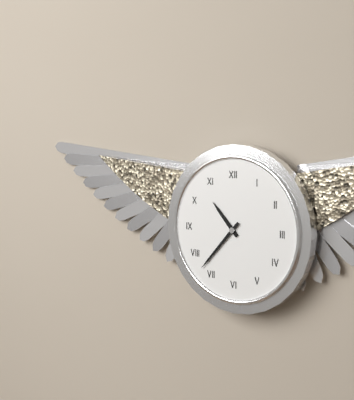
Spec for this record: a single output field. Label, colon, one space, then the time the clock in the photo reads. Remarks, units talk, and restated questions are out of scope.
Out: 10:37
